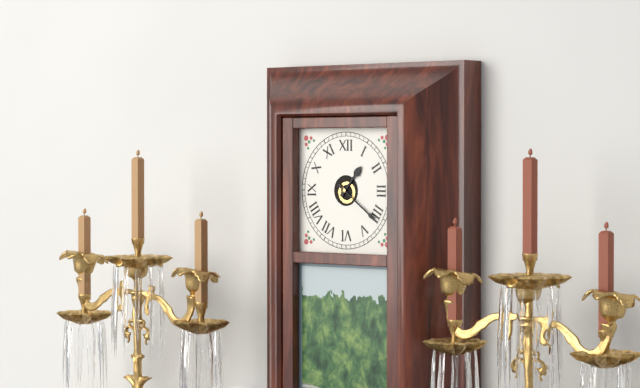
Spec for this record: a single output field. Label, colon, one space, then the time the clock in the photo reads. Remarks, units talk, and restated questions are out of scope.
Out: 1:21
